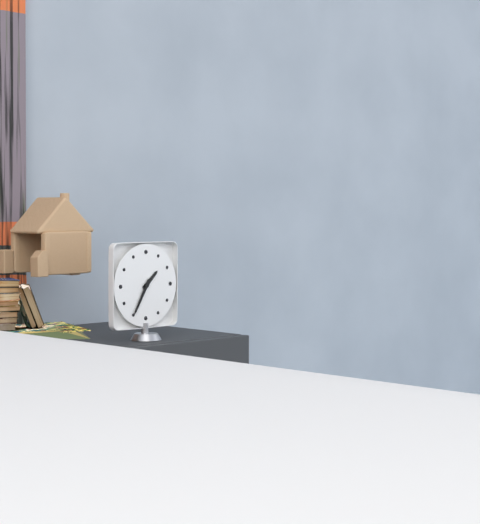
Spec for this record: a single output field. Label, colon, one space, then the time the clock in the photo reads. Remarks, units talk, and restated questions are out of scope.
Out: 1:35
